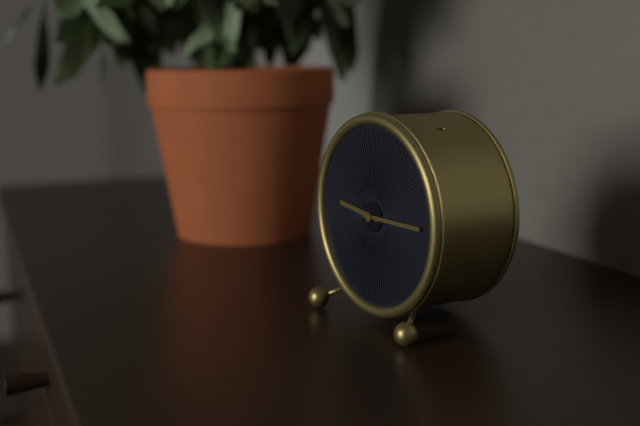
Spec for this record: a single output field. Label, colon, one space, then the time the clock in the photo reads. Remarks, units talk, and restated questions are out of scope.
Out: 9:15
